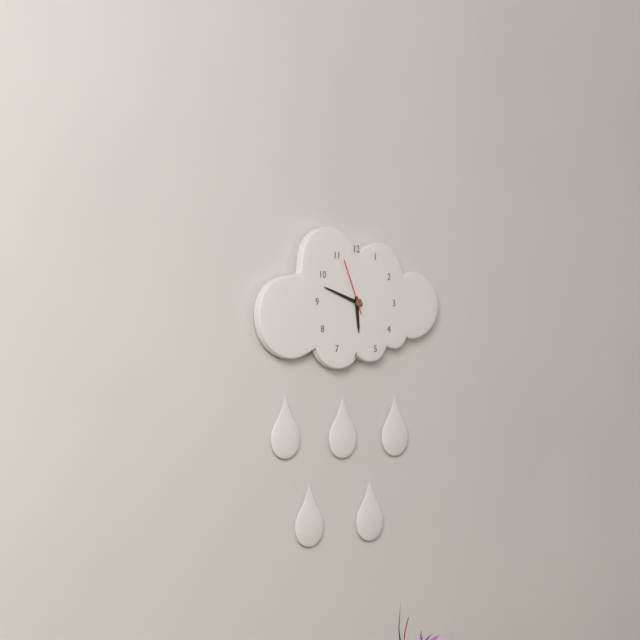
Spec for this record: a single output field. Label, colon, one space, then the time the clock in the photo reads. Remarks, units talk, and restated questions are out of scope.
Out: 5:48:56
